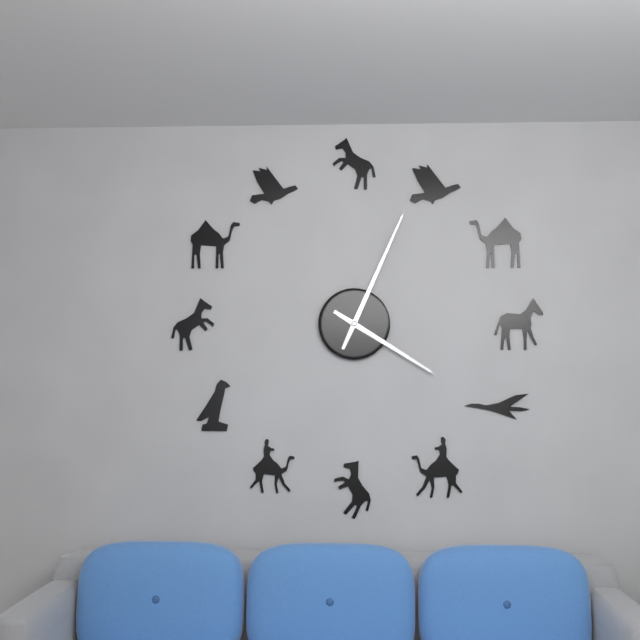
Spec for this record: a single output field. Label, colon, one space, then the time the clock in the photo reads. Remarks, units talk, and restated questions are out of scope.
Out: 4:04
